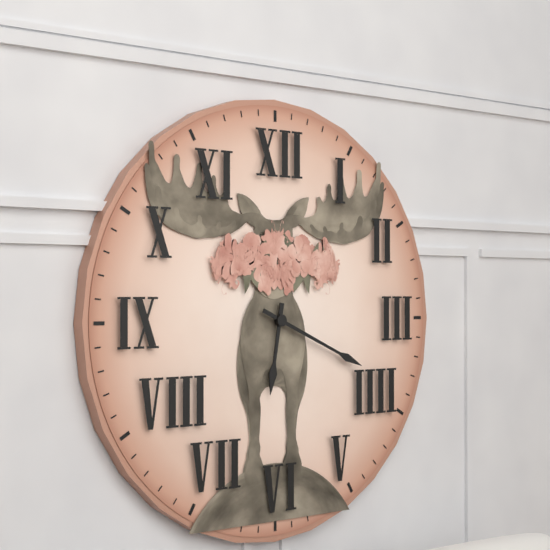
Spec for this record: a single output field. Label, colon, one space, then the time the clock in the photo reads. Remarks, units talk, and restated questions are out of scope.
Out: 6:19
